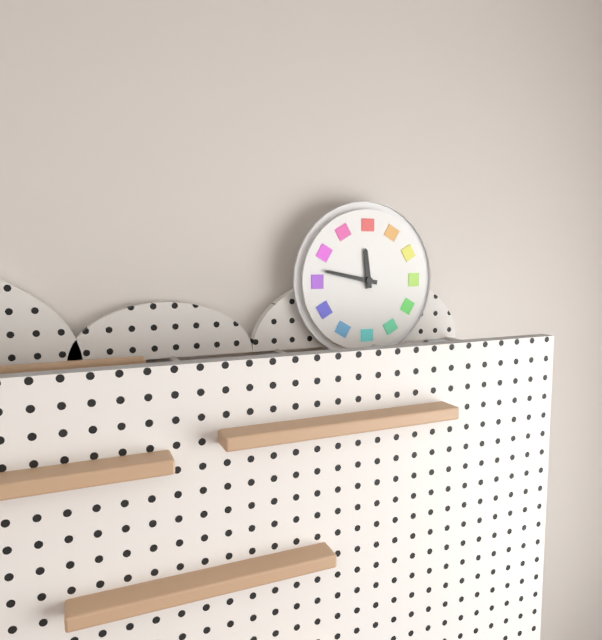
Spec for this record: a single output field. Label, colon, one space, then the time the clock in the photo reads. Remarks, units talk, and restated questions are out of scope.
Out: 11:47
